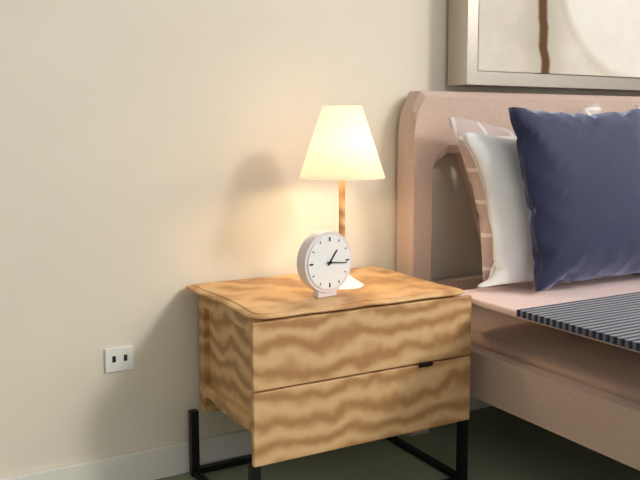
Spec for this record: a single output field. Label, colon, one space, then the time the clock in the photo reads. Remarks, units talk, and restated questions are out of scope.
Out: 1:16
